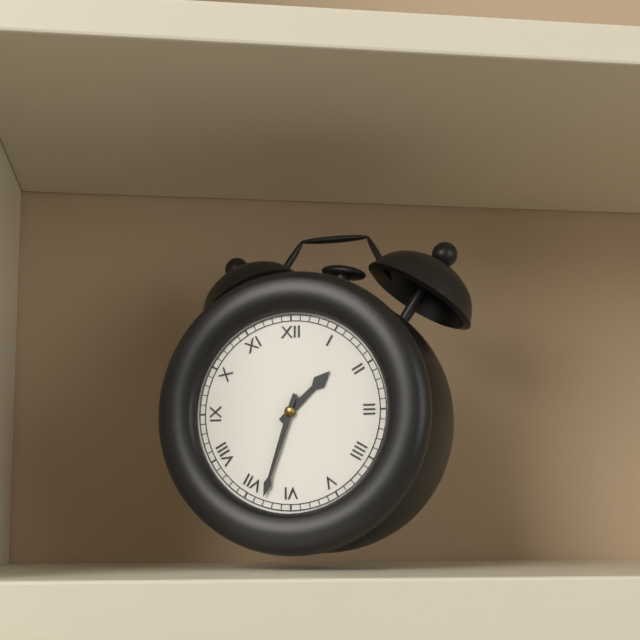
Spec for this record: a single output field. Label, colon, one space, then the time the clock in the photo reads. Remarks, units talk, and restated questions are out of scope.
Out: 1:33
